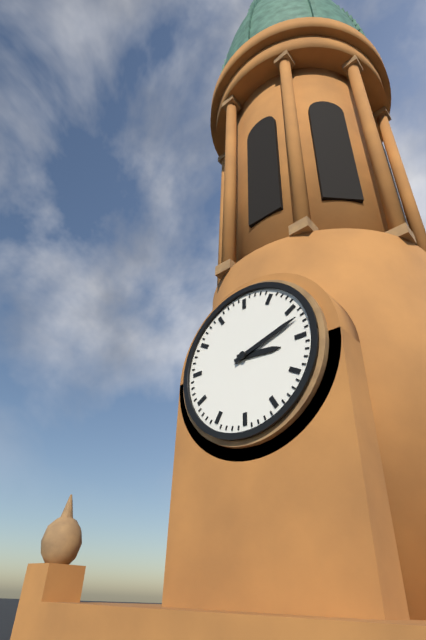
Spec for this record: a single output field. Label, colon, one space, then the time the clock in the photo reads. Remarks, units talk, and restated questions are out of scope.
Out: 3:12
